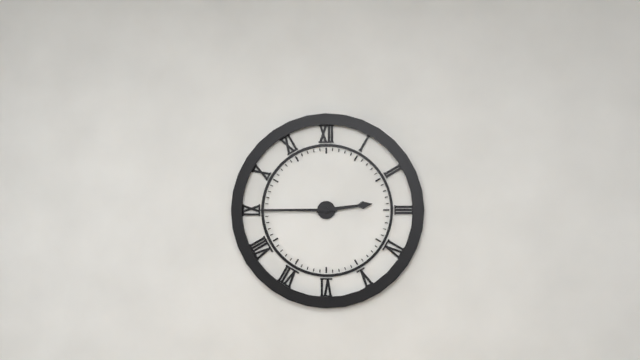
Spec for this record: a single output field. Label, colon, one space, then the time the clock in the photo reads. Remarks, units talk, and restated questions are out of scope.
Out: 2:45
